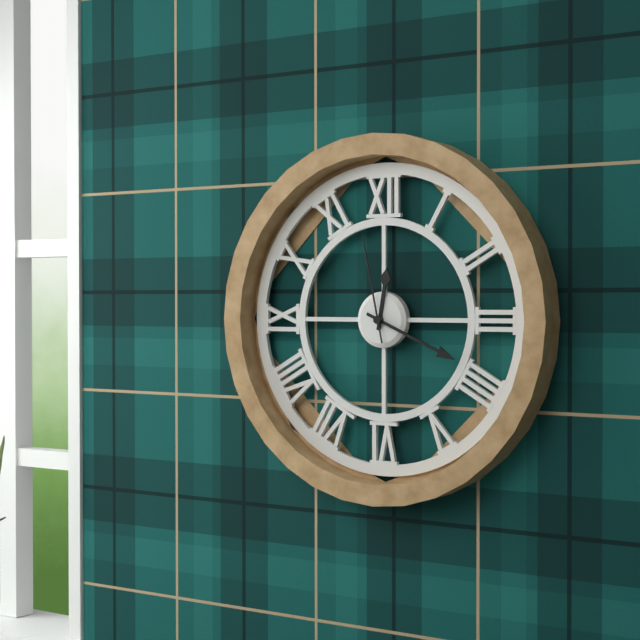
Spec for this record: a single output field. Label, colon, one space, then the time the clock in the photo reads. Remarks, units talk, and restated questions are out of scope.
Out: 12:19:58
